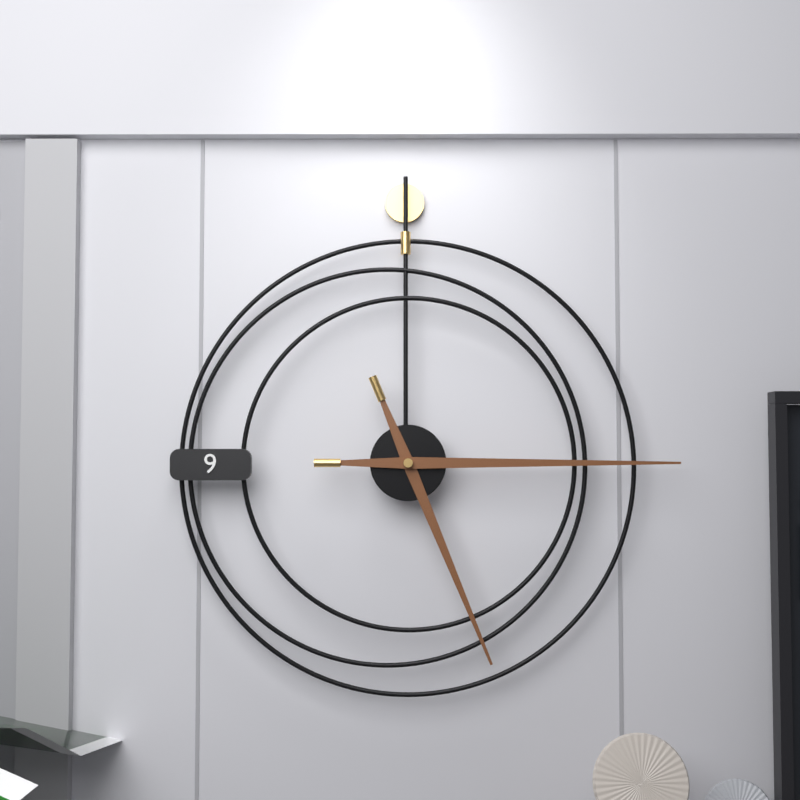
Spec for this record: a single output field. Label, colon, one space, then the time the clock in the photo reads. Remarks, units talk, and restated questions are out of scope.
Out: 5:15
